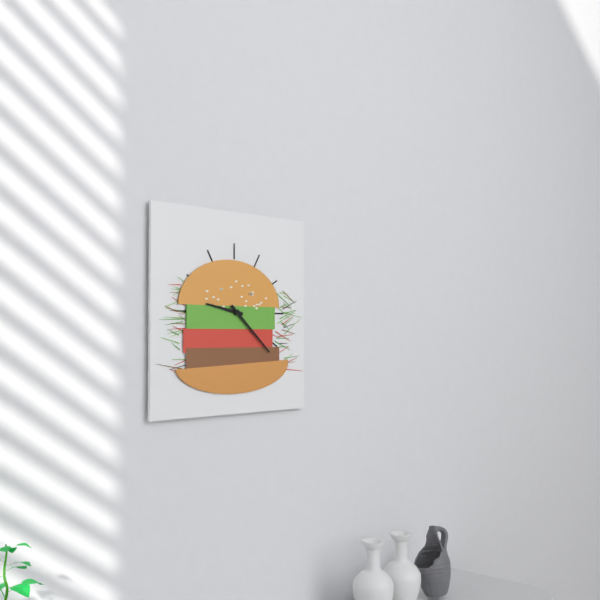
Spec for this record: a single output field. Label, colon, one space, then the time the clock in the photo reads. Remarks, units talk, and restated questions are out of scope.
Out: 9:22
